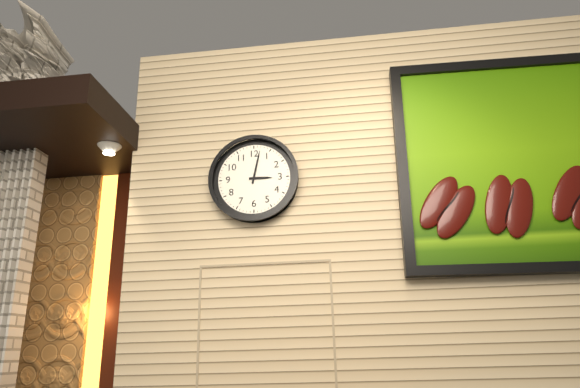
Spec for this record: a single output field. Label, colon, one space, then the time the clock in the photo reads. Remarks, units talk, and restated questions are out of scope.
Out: 3:02
